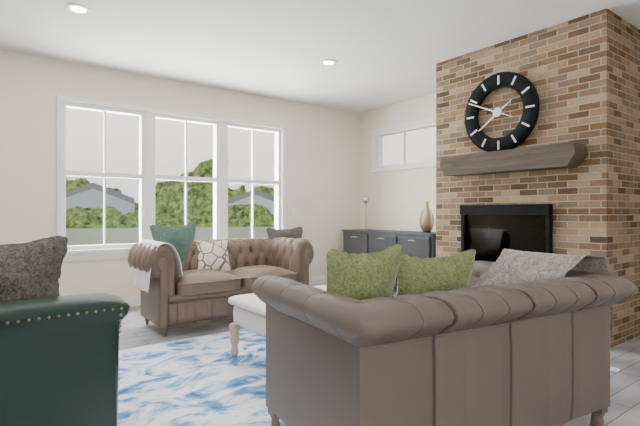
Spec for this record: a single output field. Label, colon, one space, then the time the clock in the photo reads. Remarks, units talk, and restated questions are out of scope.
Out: 7:49
